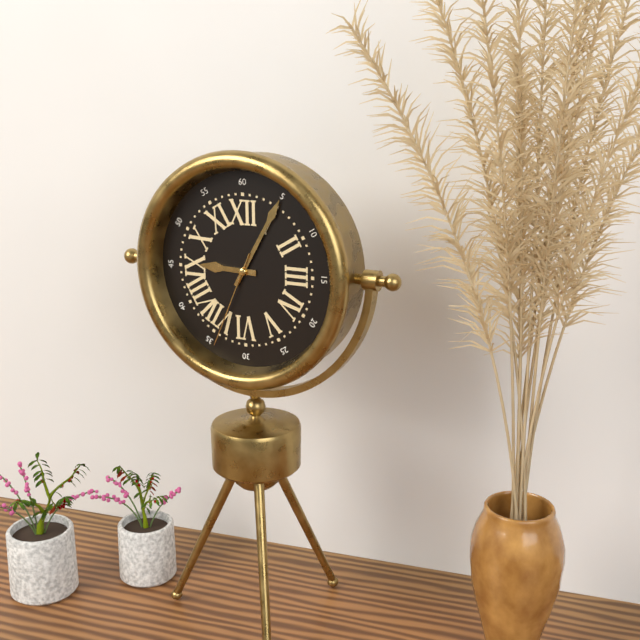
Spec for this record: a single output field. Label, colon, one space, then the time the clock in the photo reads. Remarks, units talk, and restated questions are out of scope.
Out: 9:05:34
